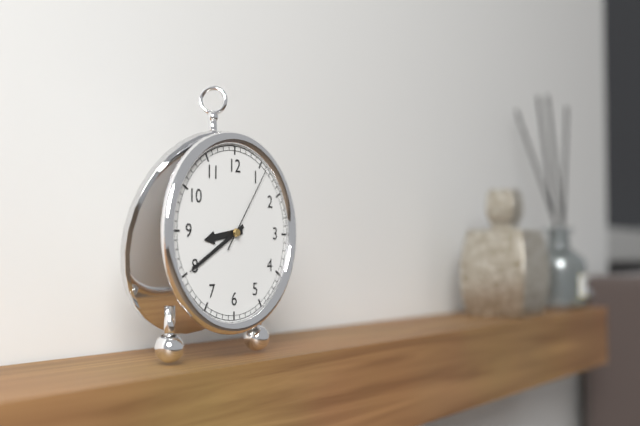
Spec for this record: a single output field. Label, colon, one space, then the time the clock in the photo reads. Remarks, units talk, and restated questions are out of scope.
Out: 8:40:06
